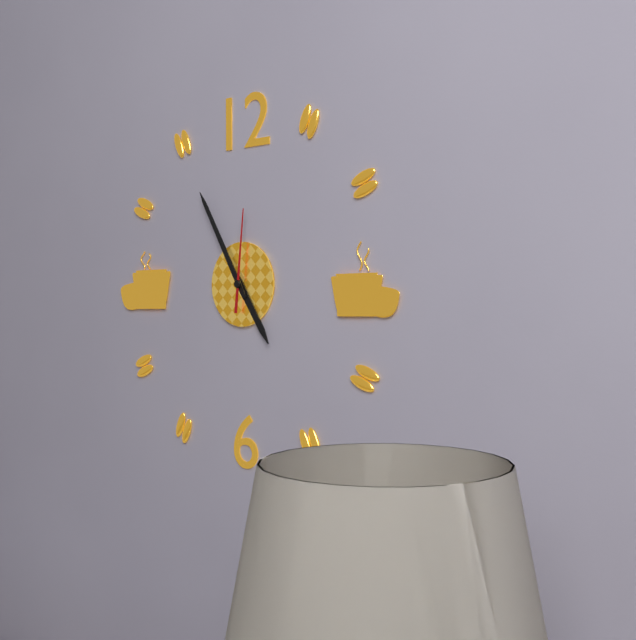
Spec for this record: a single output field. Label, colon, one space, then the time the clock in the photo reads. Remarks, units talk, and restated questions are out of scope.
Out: 4:55:01
